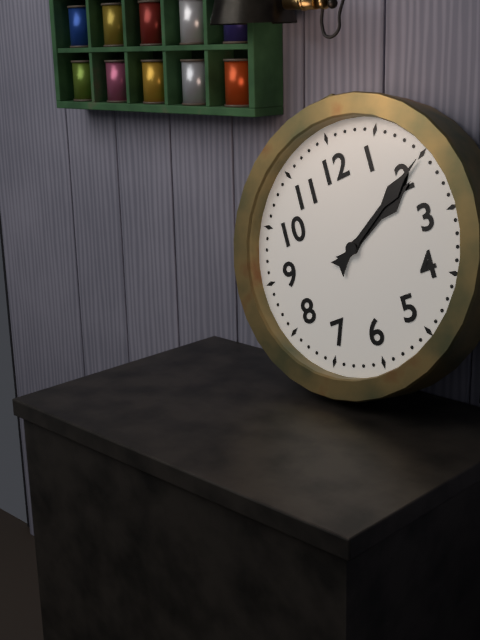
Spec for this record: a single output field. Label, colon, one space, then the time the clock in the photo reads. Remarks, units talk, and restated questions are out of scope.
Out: 2:10
